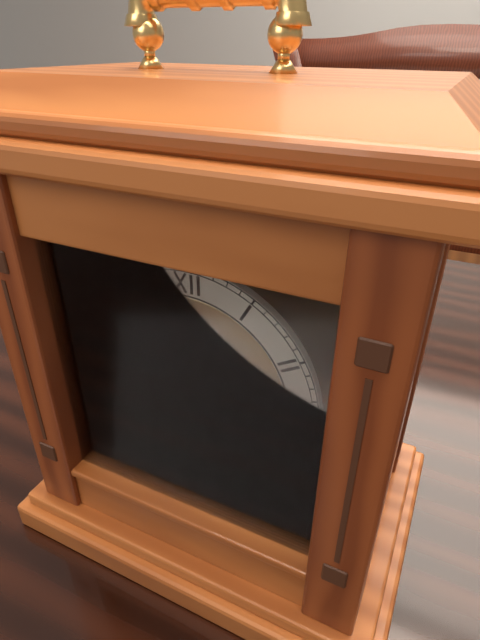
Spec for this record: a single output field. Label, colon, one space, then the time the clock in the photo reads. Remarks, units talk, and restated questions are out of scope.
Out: 7:53
